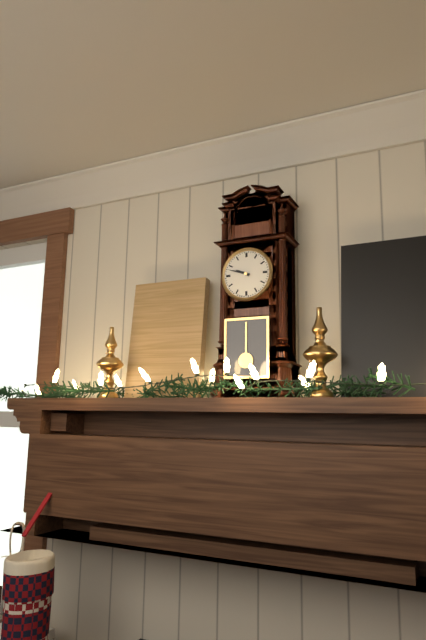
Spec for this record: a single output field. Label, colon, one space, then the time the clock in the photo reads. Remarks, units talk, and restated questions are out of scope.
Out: 9:48
